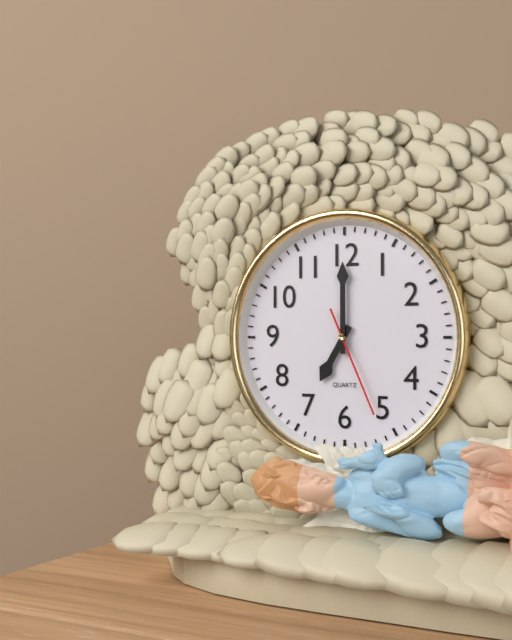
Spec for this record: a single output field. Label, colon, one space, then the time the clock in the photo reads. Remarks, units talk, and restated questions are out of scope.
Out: 7:00:26
